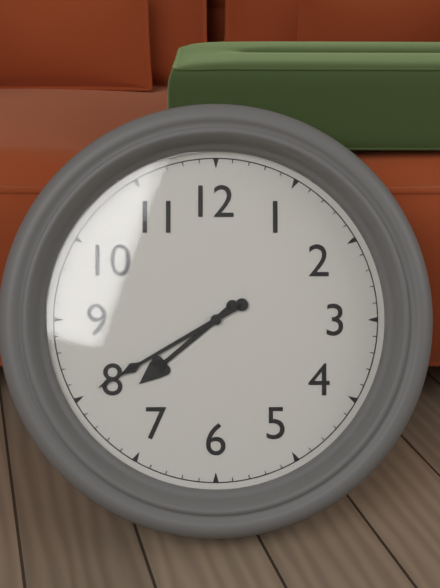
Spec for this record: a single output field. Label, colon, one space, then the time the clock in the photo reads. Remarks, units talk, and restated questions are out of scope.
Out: 7:40
